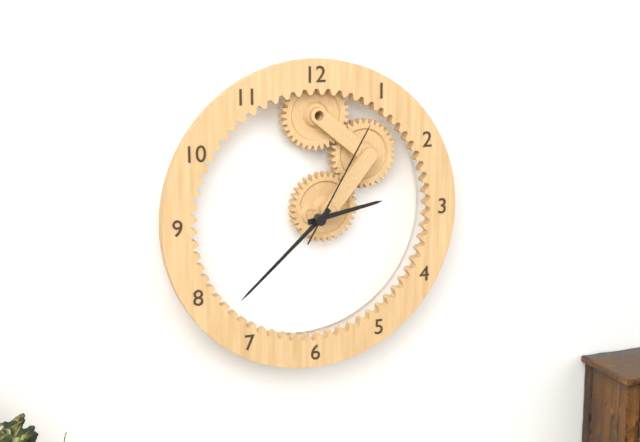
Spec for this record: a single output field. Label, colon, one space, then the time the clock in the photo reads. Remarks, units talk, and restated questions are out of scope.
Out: 2:38:05
